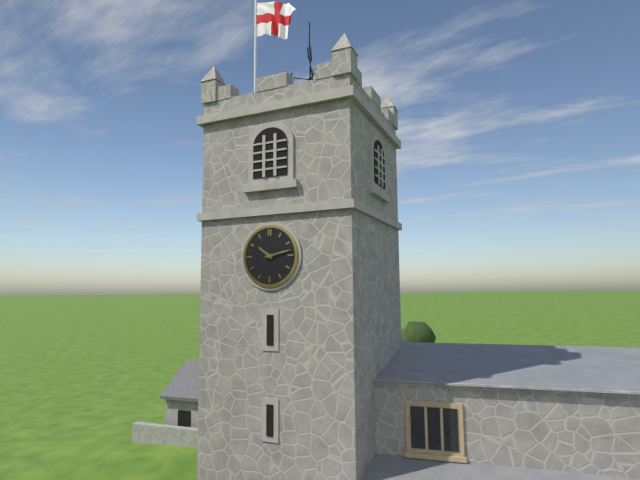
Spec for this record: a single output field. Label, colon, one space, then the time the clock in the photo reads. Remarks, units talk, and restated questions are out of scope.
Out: 10:13
